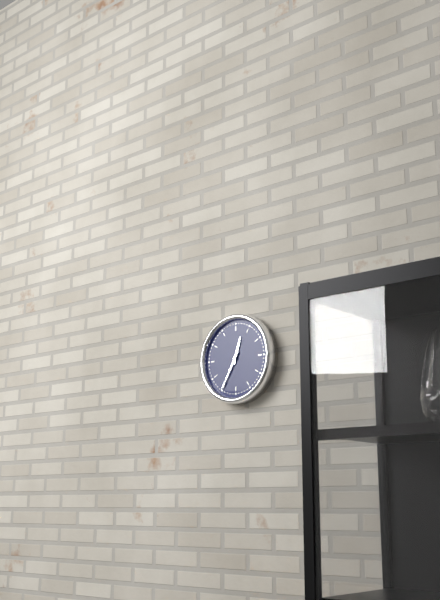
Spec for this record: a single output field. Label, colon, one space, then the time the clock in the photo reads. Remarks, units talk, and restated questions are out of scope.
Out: 12:35
